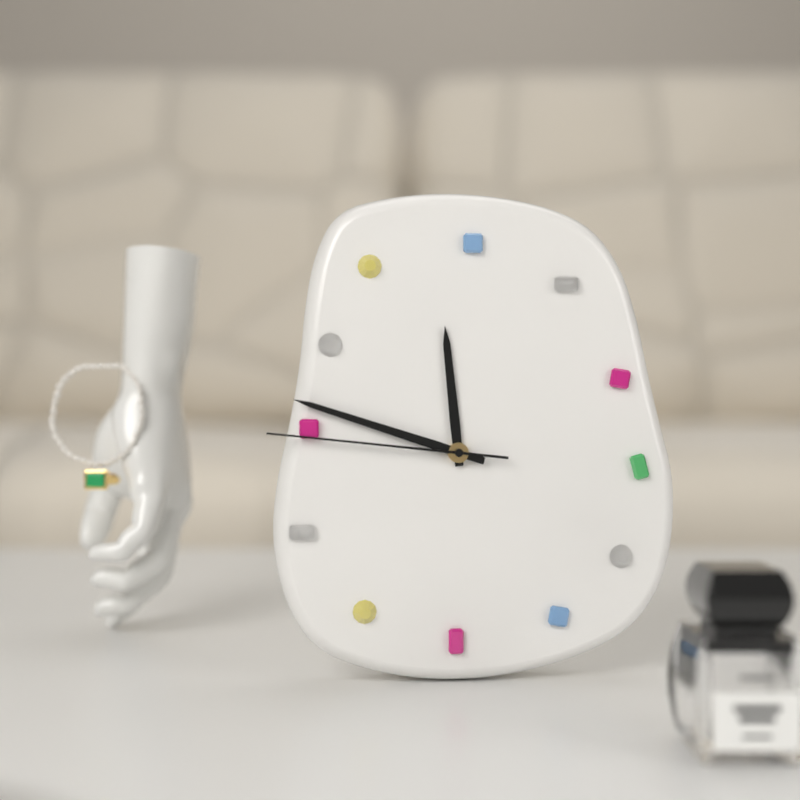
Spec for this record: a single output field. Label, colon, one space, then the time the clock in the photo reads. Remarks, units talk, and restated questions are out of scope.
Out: 11:48:46
